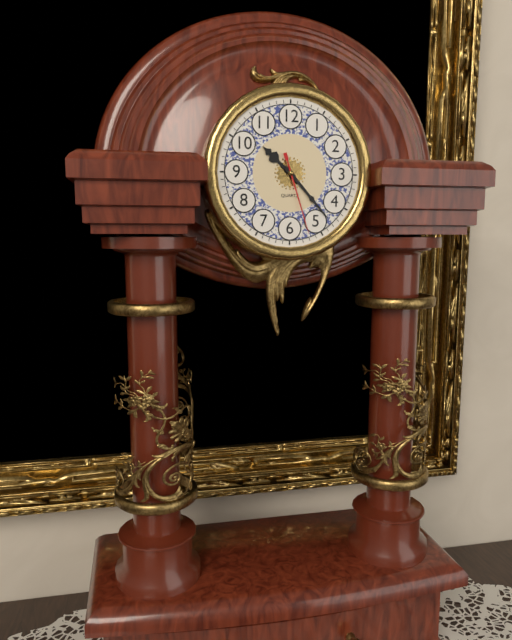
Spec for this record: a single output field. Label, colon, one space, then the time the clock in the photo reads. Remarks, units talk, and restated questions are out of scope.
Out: 10:23:27
